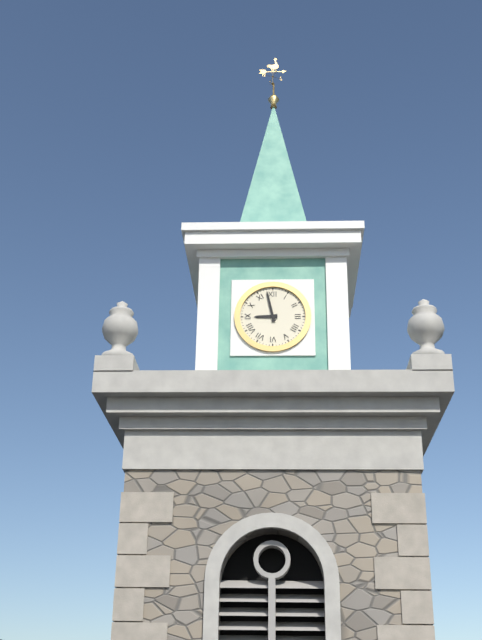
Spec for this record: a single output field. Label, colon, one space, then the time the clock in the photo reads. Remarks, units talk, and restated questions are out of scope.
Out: 8:58
